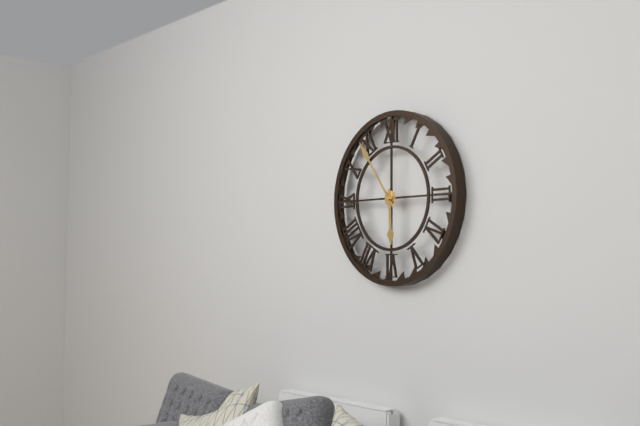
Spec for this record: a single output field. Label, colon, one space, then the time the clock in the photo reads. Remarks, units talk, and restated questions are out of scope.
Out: 5:54
